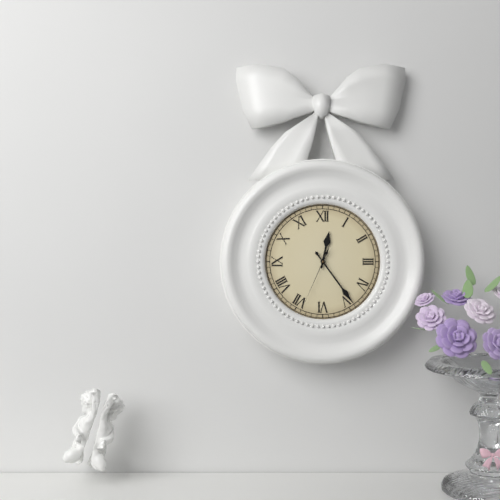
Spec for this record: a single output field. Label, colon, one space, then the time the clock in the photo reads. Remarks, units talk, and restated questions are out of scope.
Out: 12:24:34
